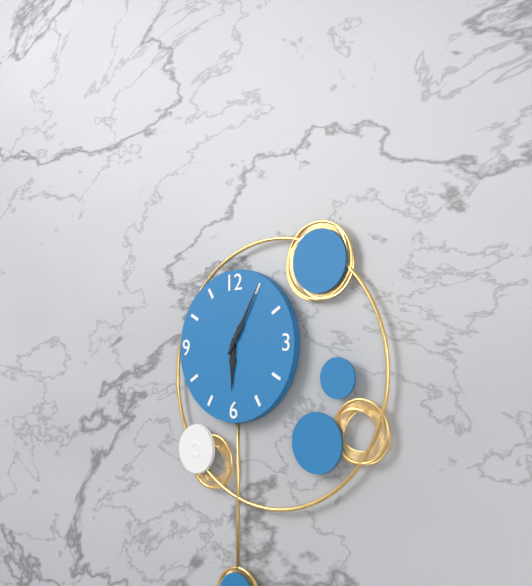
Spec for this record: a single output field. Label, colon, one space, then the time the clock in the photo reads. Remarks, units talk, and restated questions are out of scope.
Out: 6:05
